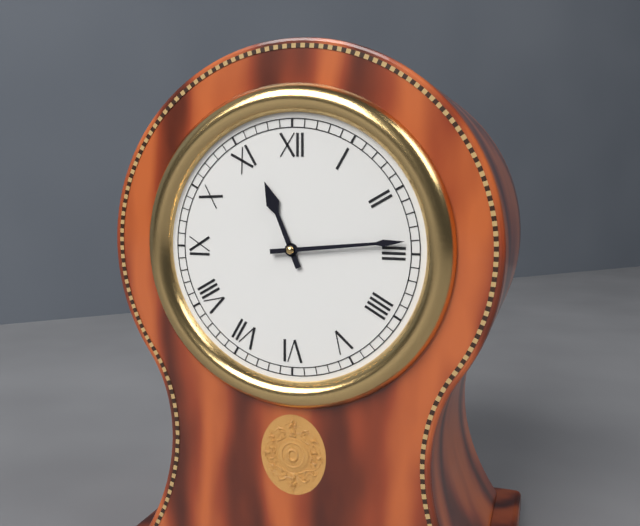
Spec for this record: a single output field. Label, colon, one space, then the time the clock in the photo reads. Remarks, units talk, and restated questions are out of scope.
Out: 11:14
